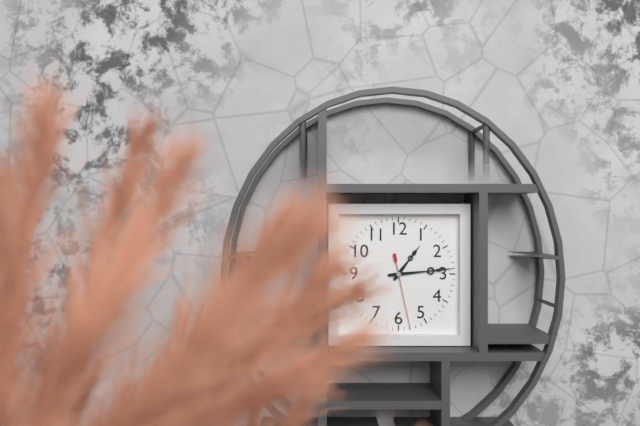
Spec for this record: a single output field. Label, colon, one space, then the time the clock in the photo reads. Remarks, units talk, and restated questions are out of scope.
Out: 1:14:28
